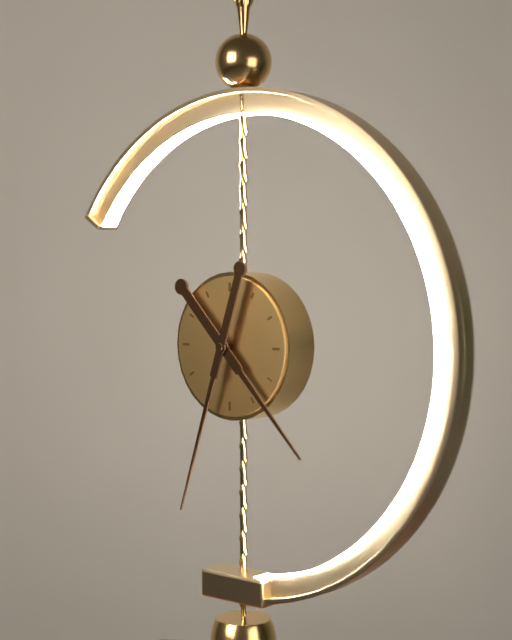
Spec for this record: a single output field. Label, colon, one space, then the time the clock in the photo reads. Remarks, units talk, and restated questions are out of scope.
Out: 4:33
